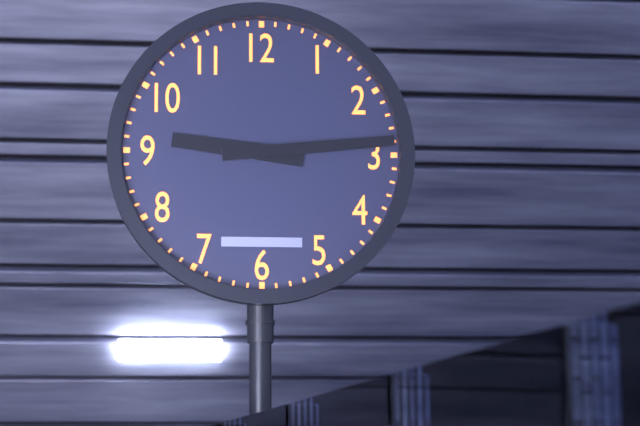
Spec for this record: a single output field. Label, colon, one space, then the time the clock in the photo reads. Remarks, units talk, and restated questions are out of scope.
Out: 9:14
